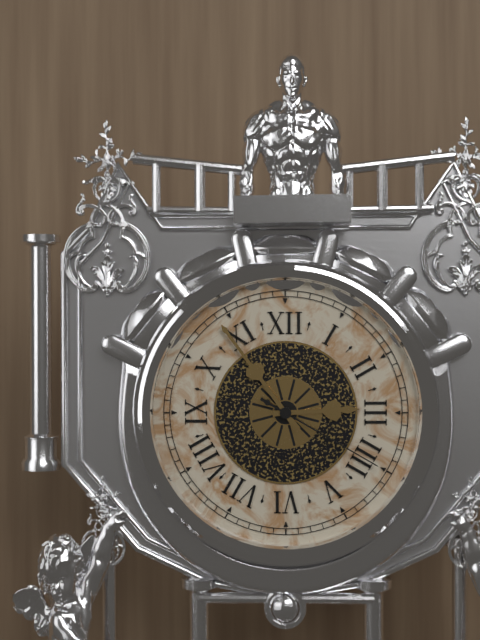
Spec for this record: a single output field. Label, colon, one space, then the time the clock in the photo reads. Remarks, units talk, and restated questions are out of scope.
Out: 2:54:20
